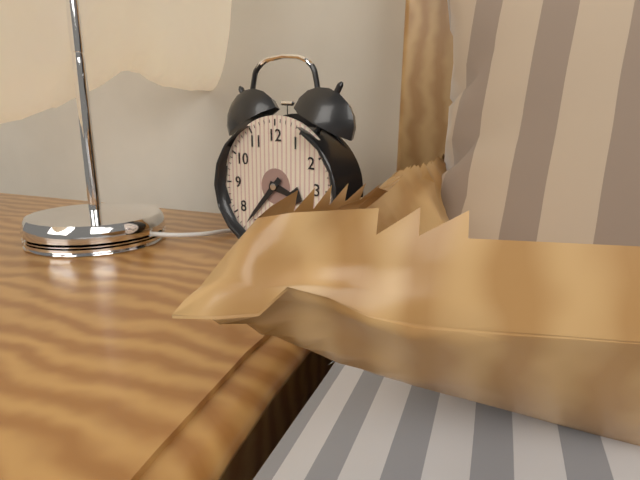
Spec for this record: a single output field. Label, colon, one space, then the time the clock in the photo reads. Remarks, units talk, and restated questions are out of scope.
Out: 3:37
